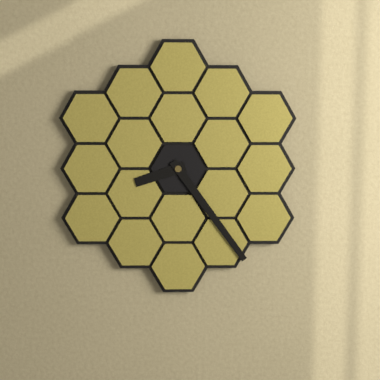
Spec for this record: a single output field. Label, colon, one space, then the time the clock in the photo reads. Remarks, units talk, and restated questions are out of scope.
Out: 8:24
